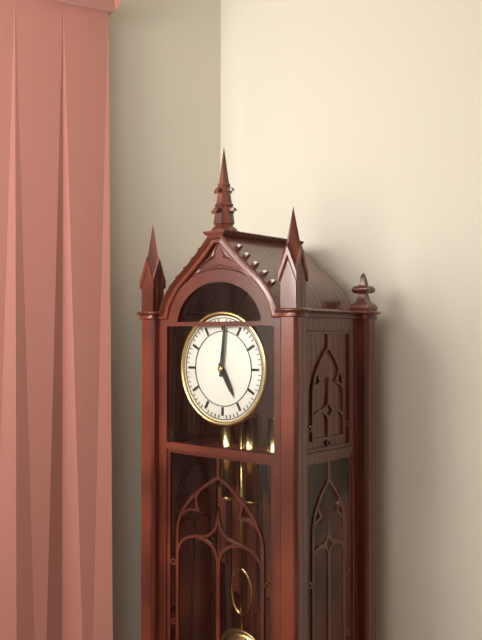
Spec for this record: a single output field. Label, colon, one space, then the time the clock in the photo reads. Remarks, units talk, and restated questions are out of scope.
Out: 5:01
